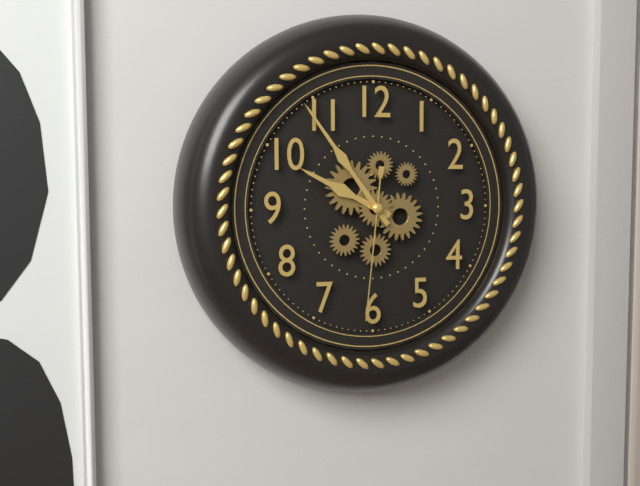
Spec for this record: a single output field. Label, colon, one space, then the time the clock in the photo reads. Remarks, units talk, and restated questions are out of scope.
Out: 9:54:31
